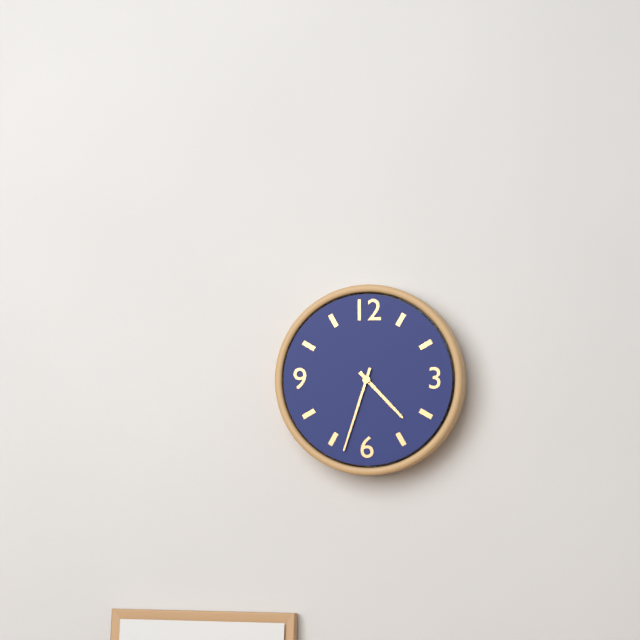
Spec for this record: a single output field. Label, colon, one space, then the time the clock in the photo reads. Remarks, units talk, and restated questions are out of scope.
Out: 4:33
